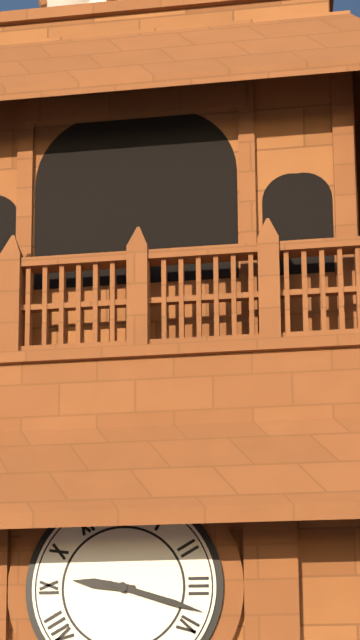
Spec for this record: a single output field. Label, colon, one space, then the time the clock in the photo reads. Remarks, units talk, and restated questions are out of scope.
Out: 9:18
